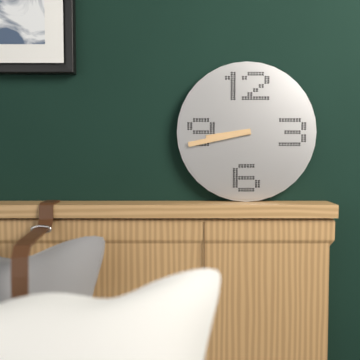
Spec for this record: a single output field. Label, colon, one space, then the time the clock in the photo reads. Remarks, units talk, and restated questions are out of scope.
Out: 8:43
